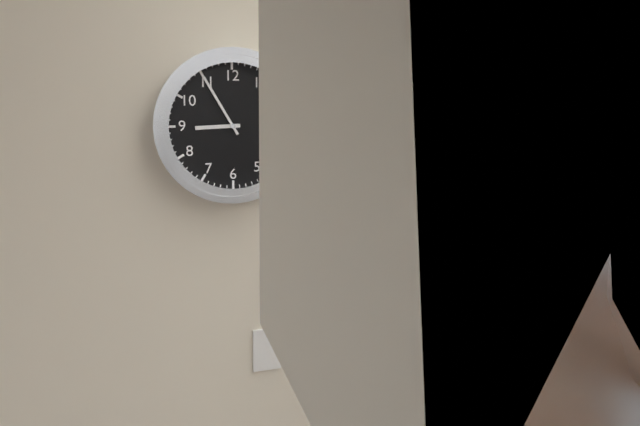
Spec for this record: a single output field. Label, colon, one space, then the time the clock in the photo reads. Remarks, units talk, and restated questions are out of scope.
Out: 8:55
